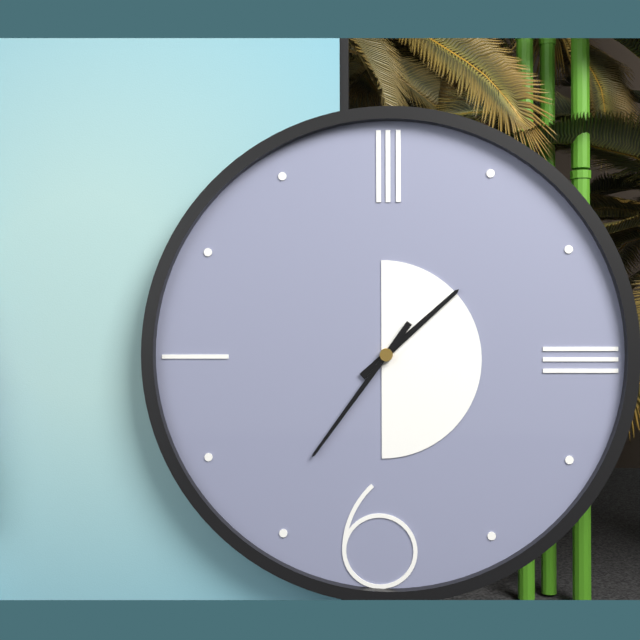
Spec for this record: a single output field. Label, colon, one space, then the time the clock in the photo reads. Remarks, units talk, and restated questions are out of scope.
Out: 1:36
